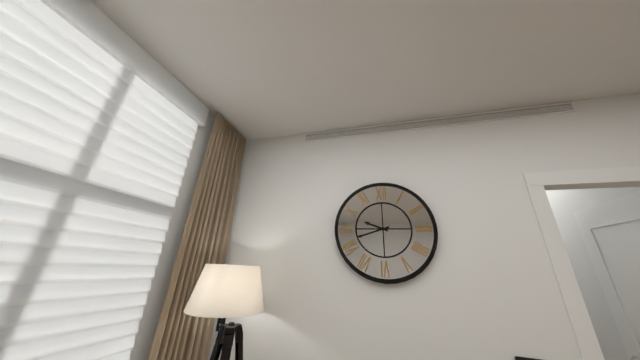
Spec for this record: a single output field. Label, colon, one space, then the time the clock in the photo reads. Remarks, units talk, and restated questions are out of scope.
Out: 9:42
